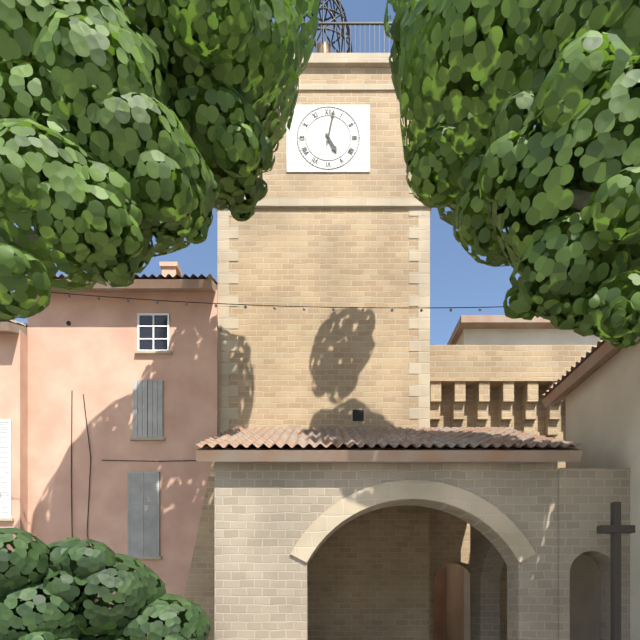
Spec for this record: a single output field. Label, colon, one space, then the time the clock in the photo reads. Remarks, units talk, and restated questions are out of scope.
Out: 5:02
